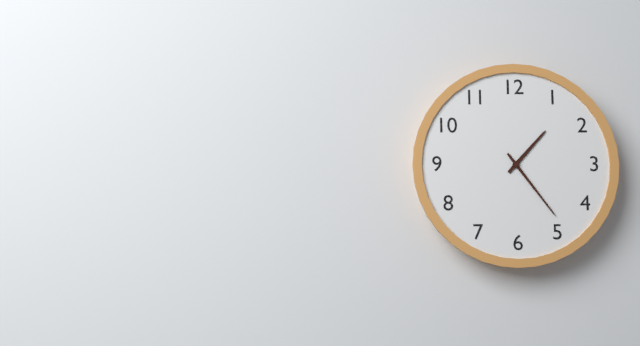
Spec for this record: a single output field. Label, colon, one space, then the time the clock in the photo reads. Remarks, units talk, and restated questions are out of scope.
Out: 1:24
